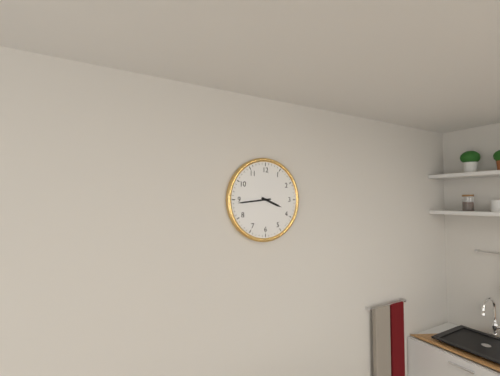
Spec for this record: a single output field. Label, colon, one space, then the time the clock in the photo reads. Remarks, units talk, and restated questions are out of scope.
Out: 3:44
